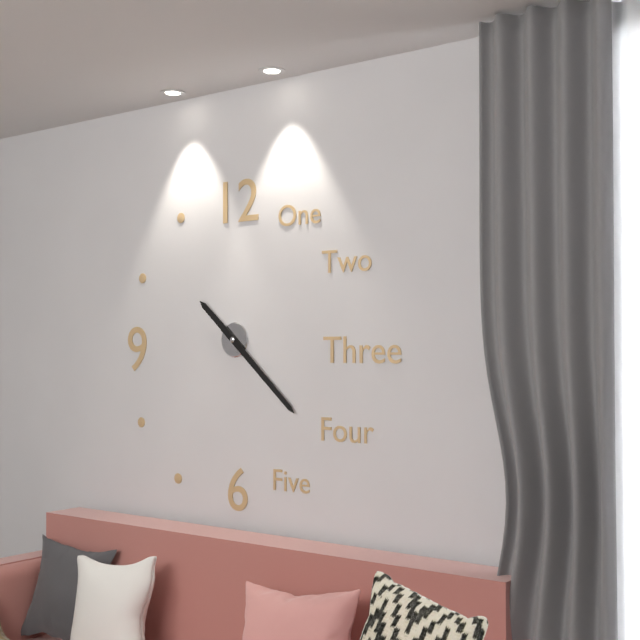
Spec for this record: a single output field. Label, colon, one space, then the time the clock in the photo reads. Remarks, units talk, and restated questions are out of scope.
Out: 10:22
